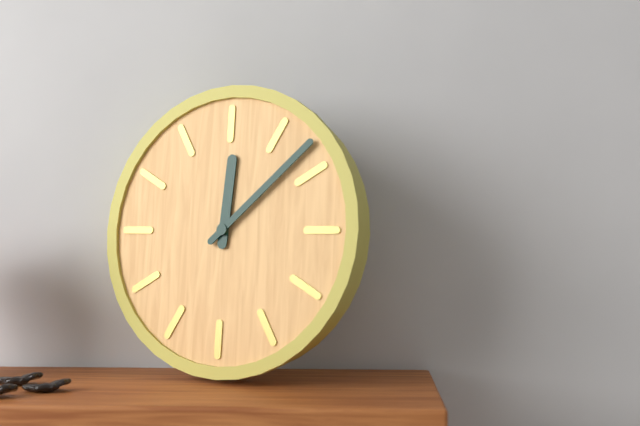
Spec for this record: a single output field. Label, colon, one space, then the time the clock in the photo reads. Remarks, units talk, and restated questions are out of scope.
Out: 12:08
